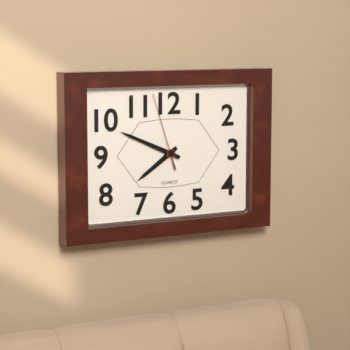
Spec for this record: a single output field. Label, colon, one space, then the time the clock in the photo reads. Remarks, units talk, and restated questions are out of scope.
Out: 7:49:57
